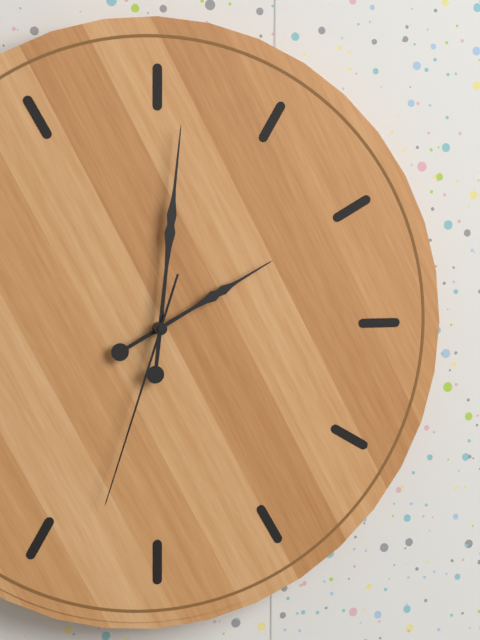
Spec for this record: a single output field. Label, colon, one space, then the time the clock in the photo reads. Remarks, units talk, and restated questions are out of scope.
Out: 2:01:33
